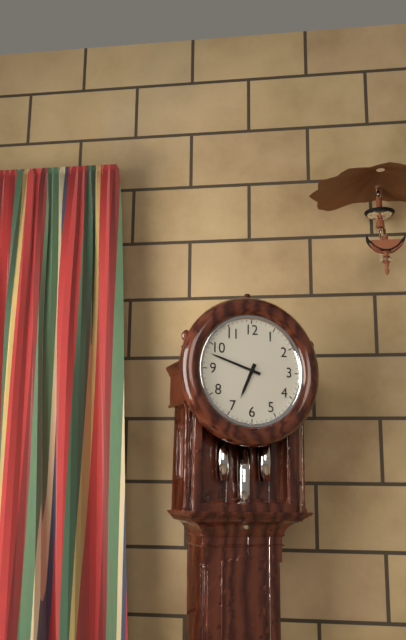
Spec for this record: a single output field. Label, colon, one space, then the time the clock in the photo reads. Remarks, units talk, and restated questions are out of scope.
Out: 6:48
